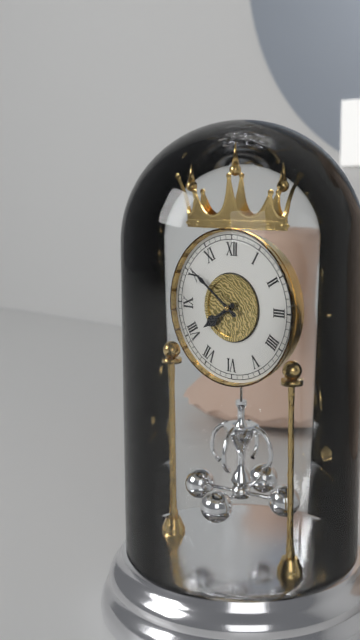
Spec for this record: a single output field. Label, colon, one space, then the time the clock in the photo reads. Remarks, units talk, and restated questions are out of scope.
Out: 7:51
